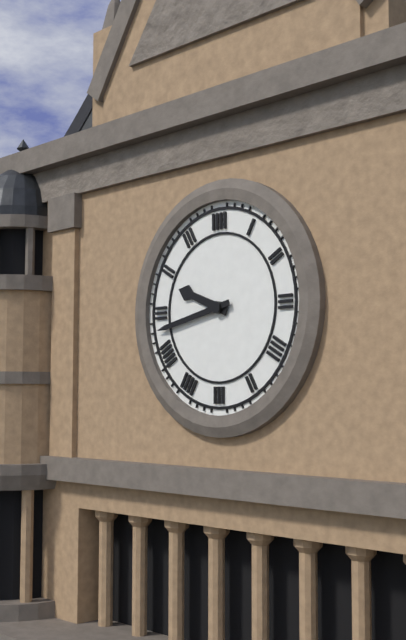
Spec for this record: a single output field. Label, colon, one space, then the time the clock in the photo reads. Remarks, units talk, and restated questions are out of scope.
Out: 9:43
